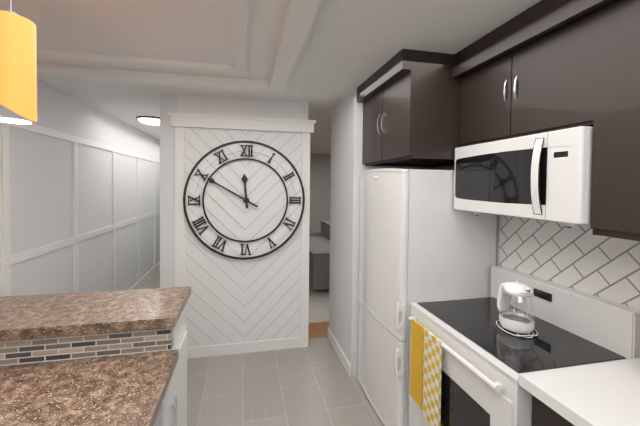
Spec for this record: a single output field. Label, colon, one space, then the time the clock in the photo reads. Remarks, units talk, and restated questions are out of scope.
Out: 11:50
